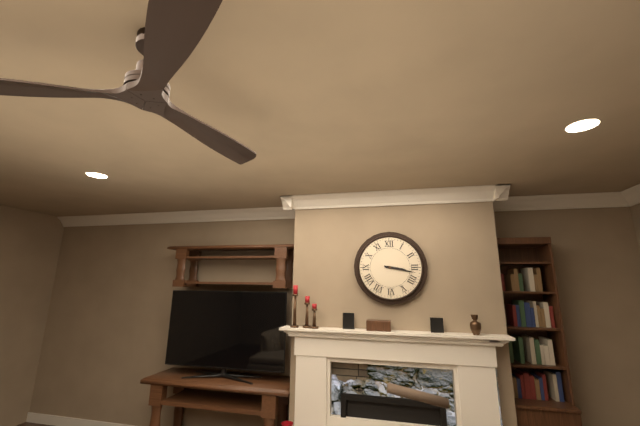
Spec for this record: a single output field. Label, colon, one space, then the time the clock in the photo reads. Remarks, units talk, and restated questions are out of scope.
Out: 3:17
